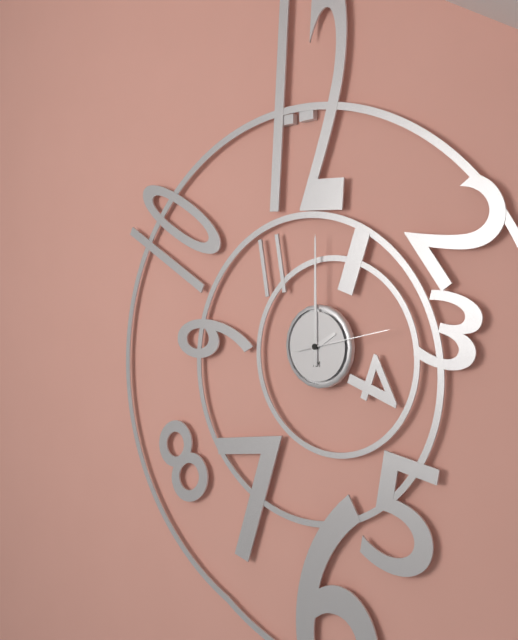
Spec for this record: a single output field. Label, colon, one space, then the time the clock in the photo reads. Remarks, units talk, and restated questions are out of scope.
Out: 2:00:13
